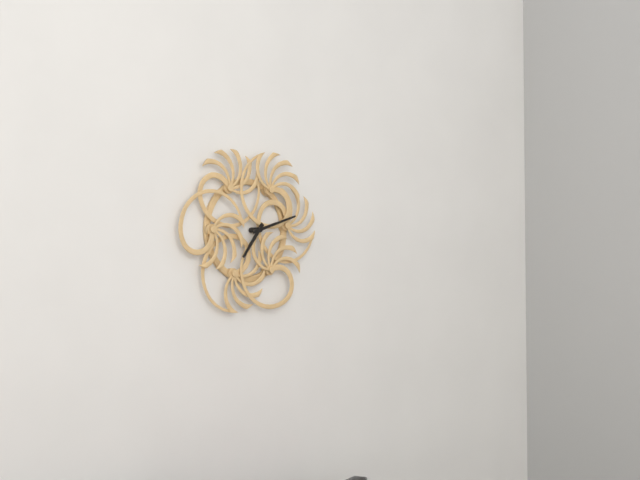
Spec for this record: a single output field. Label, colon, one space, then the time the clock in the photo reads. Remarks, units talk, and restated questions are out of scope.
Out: 7:12
